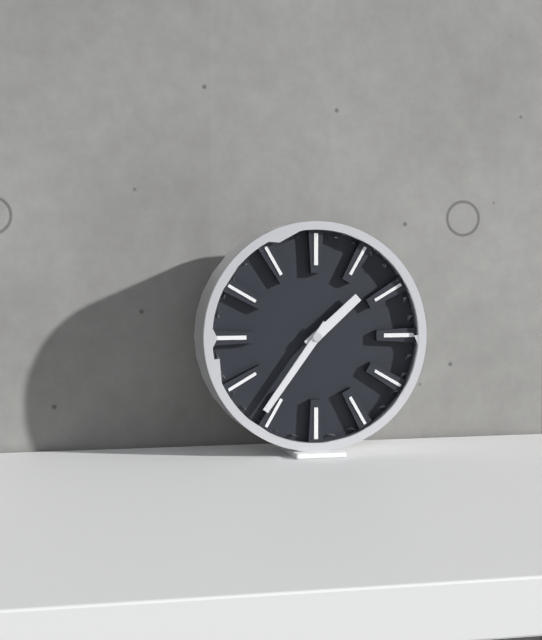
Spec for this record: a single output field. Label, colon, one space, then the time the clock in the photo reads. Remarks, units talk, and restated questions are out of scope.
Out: 1:36
